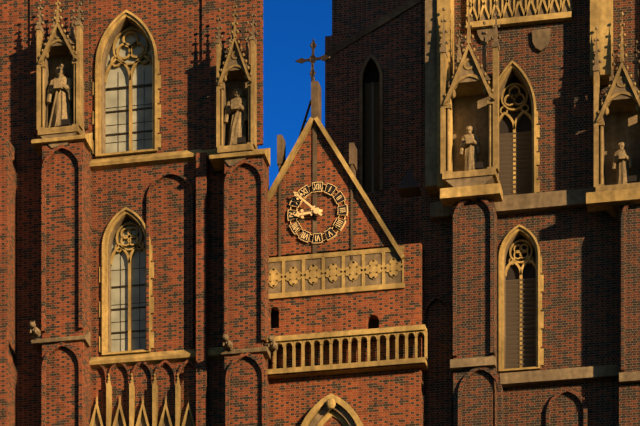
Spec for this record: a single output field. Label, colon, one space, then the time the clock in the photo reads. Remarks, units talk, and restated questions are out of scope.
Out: 8:52
